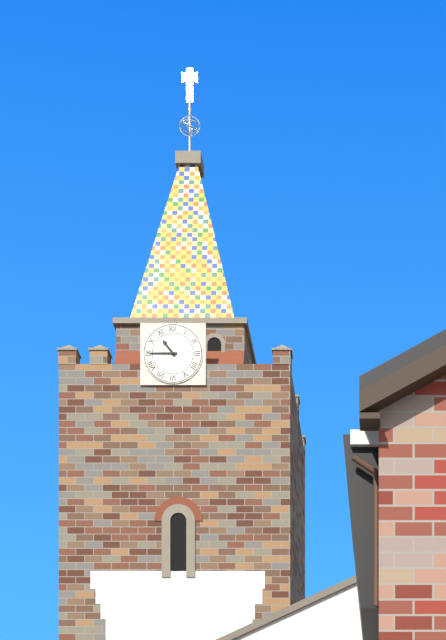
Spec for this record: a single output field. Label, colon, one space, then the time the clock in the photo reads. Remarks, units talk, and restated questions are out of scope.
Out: 10:45
